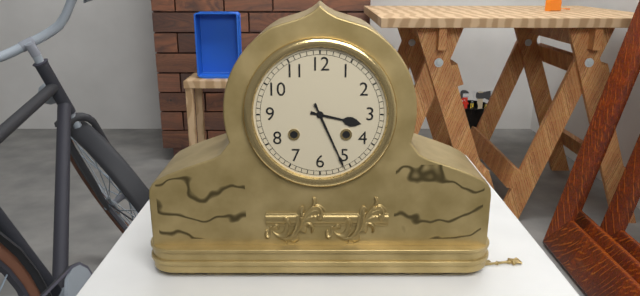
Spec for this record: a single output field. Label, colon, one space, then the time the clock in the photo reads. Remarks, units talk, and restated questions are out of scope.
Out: 3:26
